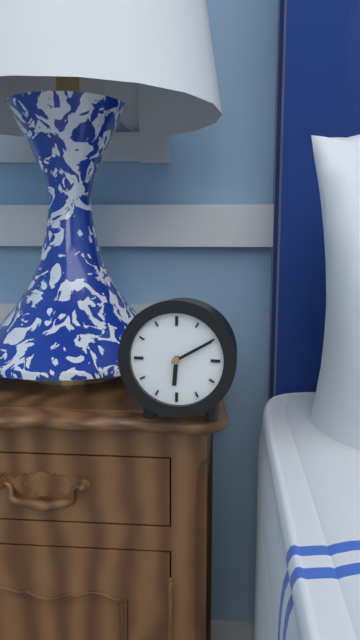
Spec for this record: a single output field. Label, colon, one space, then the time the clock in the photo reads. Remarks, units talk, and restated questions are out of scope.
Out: 6:10
